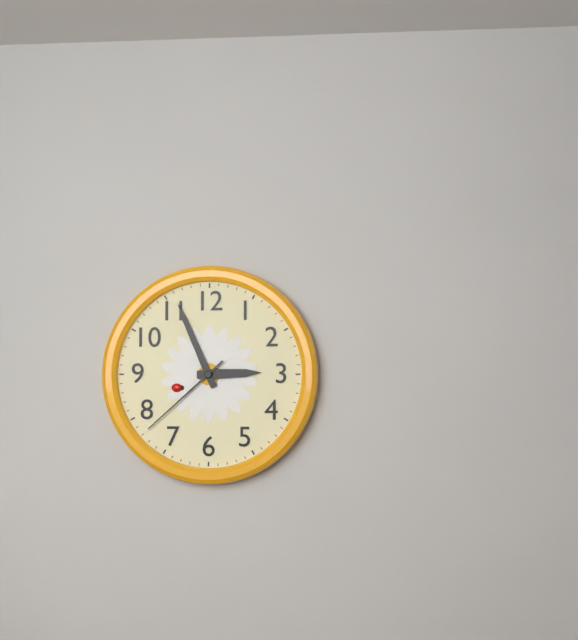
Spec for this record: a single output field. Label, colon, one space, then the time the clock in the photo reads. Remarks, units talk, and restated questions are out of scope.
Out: 2:56:38
